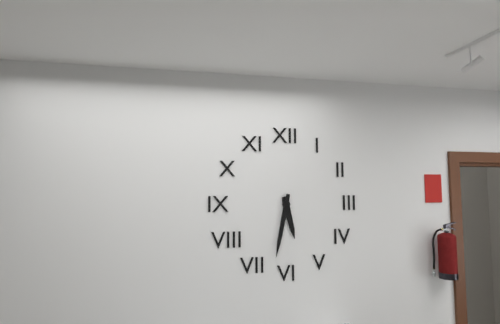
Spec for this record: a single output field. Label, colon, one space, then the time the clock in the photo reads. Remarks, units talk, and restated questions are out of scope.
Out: 5:32
